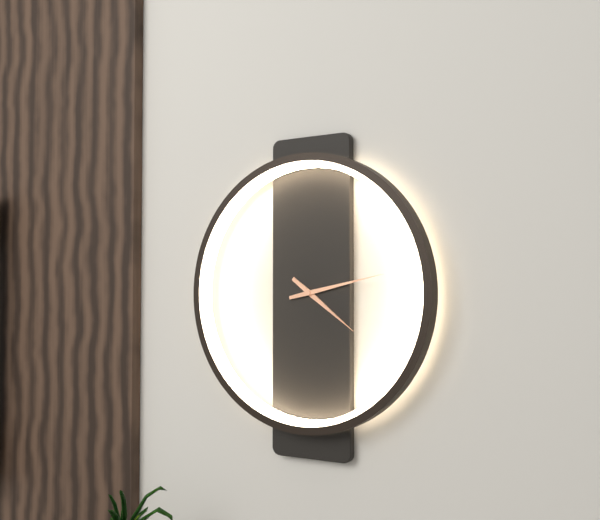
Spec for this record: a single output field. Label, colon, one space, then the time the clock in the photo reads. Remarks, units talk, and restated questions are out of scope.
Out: 4:13
